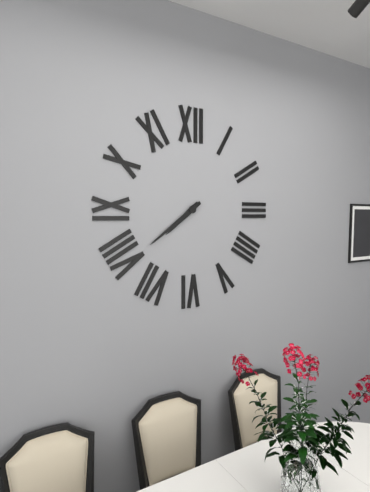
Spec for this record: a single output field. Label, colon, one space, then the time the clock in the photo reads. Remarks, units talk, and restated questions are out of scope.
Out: 7:39
